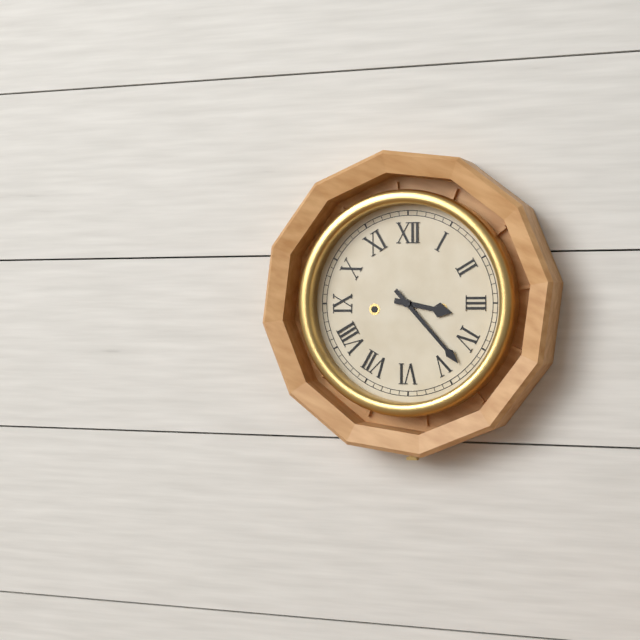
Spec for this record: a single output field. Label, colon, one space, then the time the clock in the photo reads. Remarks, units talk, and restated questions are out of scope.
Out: 3:23
